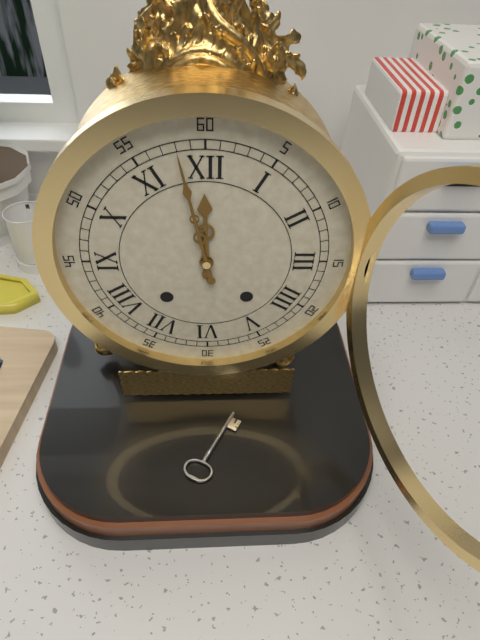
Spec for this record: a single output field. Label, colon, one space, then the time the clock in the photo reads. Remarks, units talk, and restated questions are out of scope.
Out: 11:58
